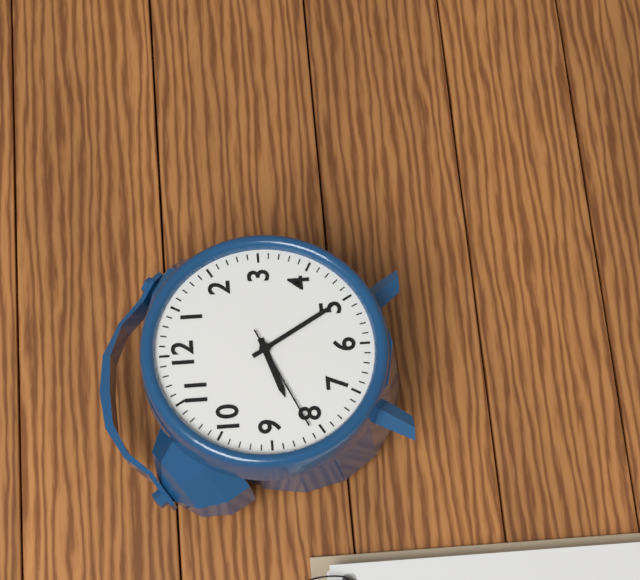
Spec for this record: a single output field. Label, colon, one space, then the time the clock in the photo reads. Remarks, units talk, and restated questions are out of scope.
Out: 8:25:41
